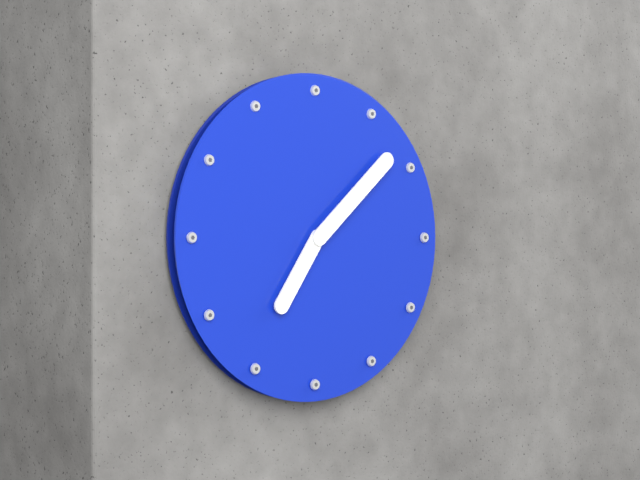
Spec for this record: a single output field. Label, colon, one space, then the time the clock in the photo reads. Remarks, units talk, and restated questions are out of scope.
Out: 7:08
